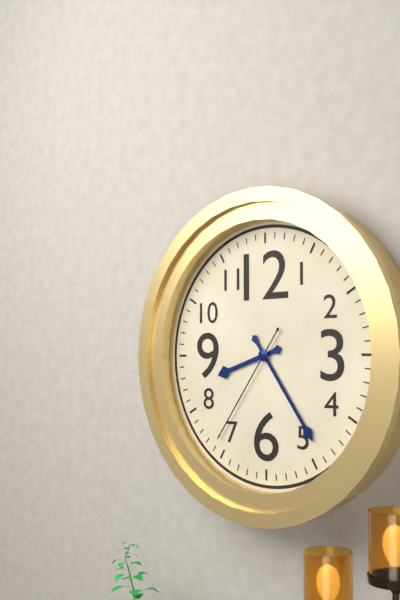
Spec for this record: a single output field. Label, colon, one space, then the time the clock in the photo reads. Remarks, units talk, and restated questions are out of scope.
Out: 8:24:36
